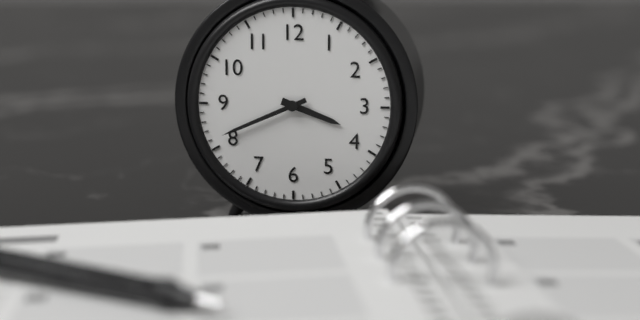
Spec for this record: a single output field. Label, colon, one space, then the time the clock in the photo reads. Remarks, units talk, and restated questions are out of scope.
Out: 3:41
